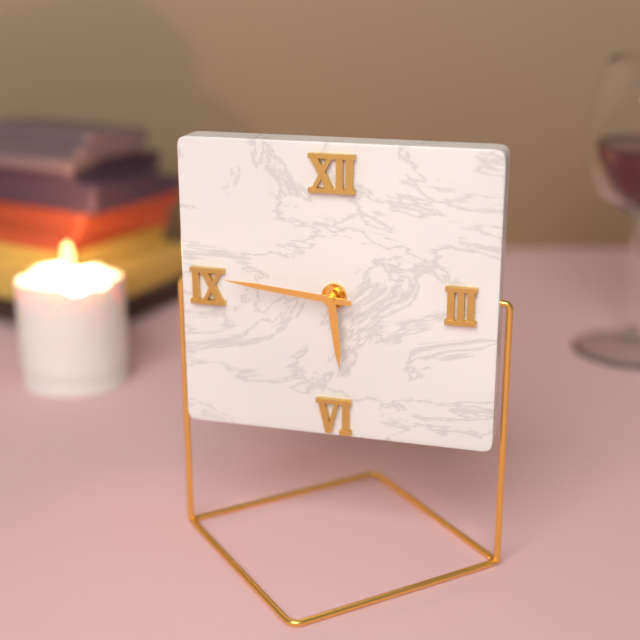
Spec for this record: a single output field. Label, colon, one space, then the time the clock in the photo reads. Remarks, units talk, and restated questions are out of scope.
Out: 5:46
